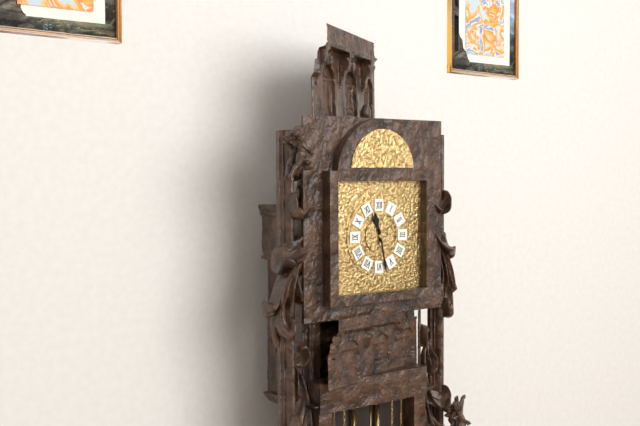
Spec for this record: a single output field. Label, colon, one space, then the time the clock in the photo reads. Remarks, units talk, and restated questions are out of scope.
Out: 11:28
